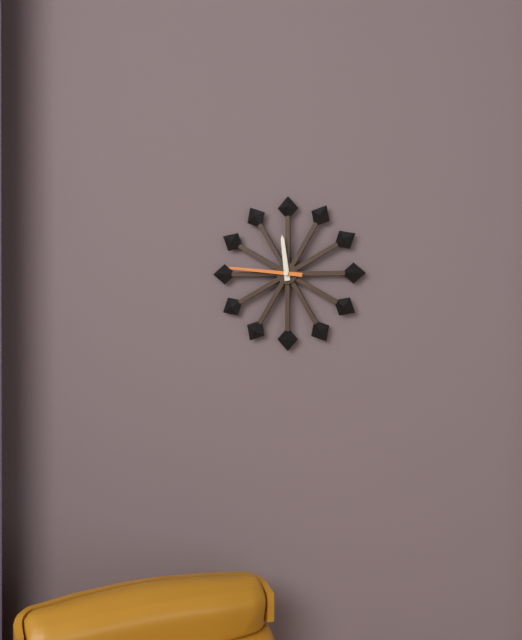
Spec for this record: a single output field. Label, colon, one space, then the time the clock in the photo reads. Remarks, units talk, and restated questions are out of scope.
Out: 11:46
